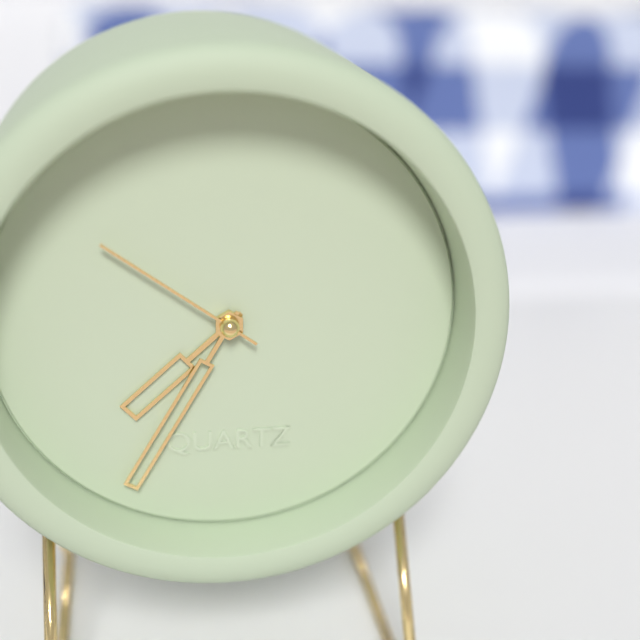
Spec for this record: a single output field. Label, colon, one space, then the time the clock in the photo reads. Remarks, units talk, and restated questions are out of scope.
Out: 7:35:51
